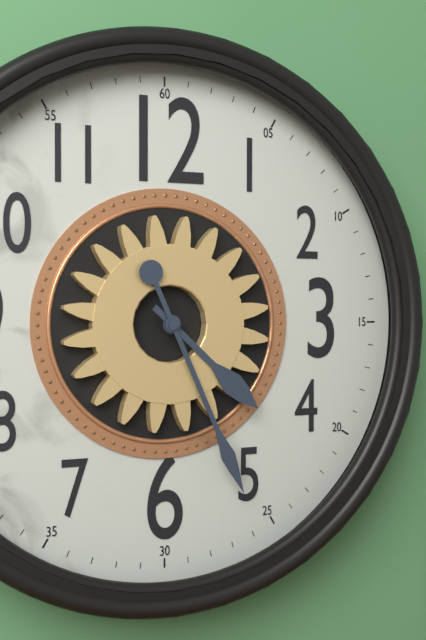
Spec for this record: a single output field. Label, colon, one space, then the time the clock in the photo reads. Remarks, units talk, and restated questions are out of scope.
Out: 4:26
